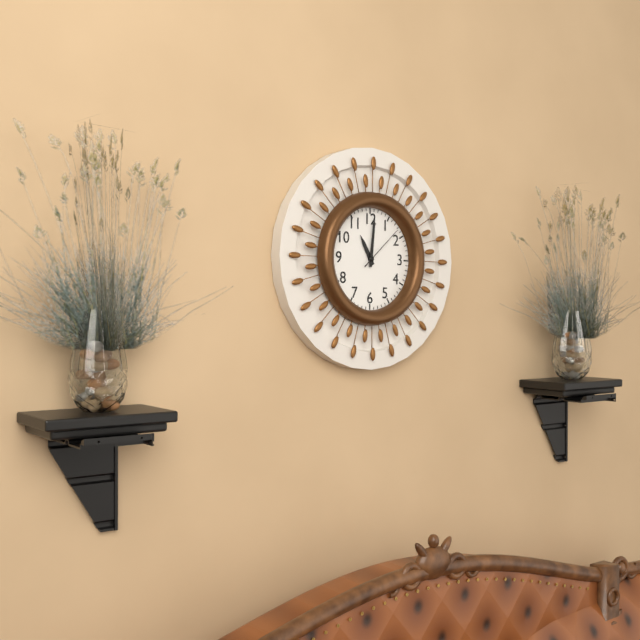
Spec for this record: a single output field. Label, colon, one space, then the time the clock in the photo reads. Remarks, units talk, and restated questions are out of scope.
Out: 11:01
